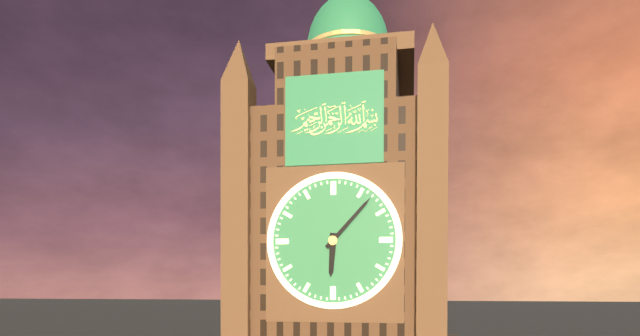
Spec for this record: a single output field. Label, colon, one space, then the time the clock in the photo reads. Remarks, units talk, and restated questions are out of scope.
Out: 6:07
